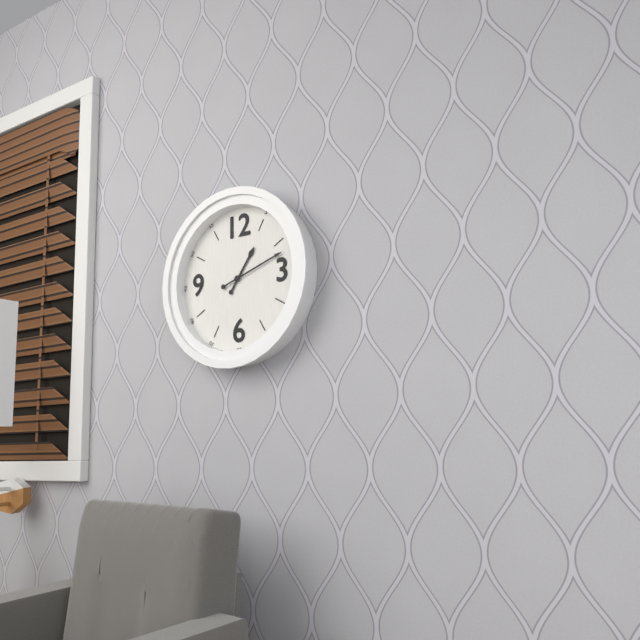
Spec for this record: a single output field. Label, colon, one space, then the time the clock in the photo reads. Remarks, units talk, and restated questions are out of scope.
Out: 1:12
